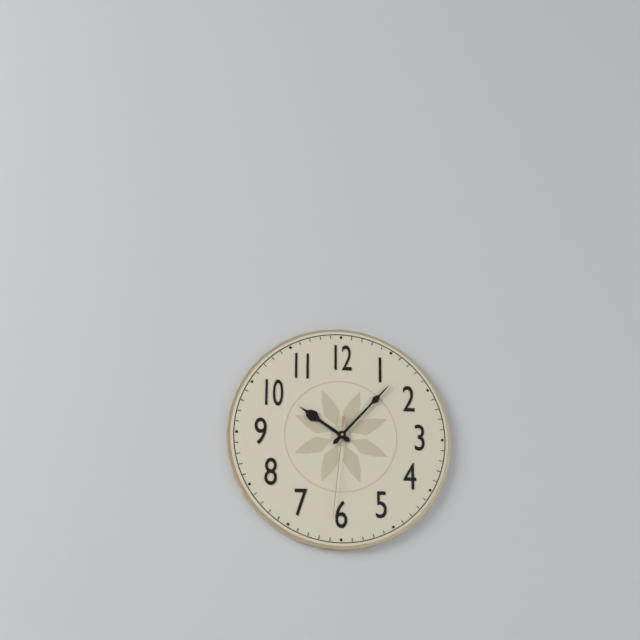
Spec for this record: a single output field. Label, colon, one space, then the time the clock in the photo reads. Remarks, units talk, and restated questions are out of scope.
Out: 10:07:31
